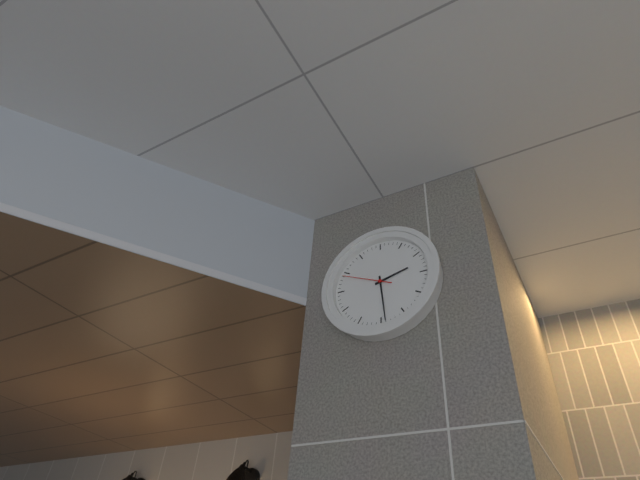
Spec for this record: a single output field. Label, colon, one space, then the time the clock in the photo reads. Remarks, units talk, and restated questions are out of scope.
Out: 2:29
